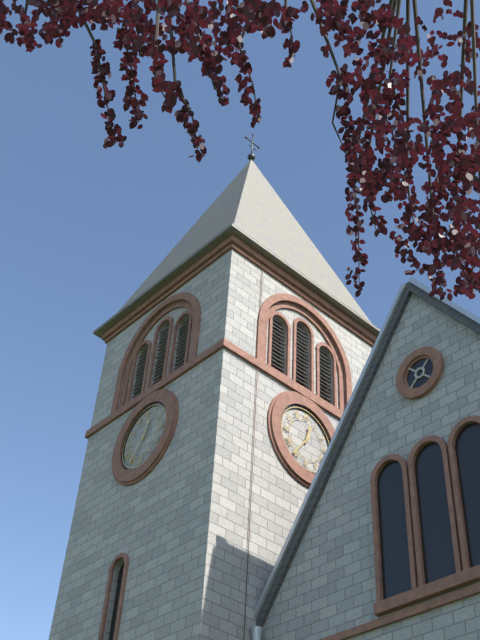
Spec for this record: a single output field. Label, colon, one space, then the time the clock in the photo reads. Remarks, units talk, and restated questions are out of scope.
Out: 12:36
